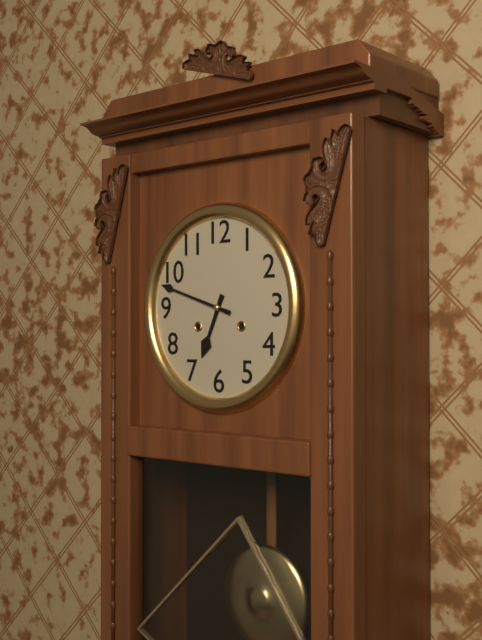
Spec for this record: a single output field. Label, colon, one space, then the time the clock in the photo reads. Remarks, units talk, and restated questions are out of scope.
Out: 6:48
